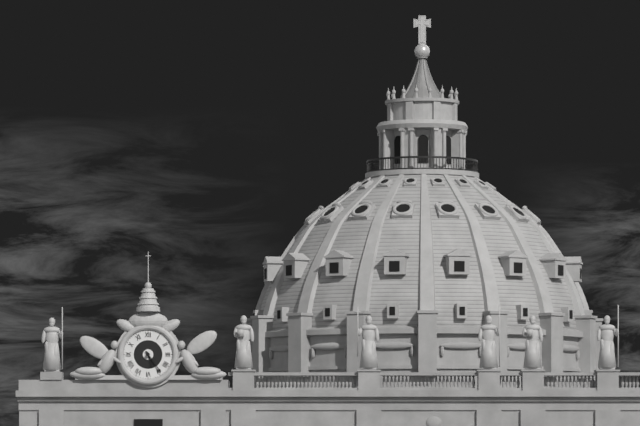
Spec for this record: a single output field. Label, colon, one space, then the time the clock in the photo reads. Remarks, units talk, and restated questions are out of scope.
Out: 5:24
